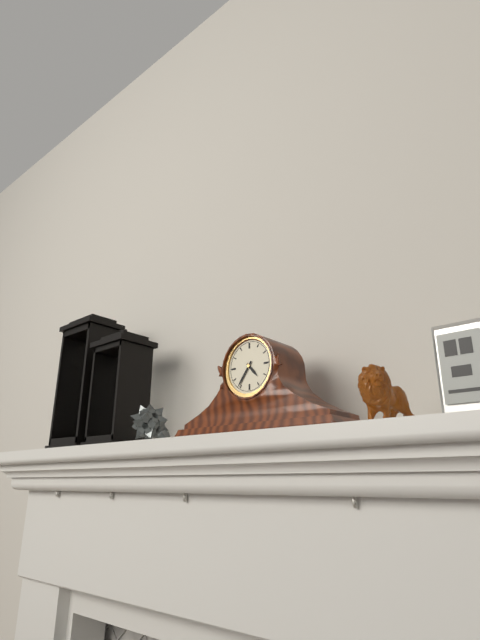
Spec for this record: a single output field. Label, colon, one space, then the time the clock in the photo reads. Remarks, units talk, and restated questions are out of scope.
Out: 4:36
